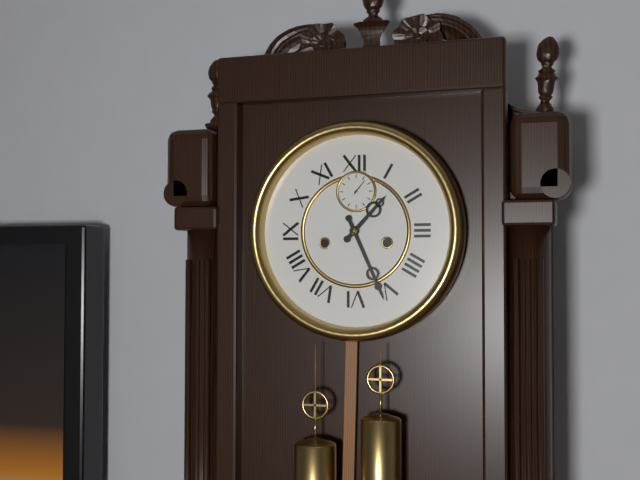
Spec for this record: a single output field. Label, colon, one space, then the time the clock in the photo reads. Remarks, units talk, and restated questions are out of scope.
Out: 1:26
